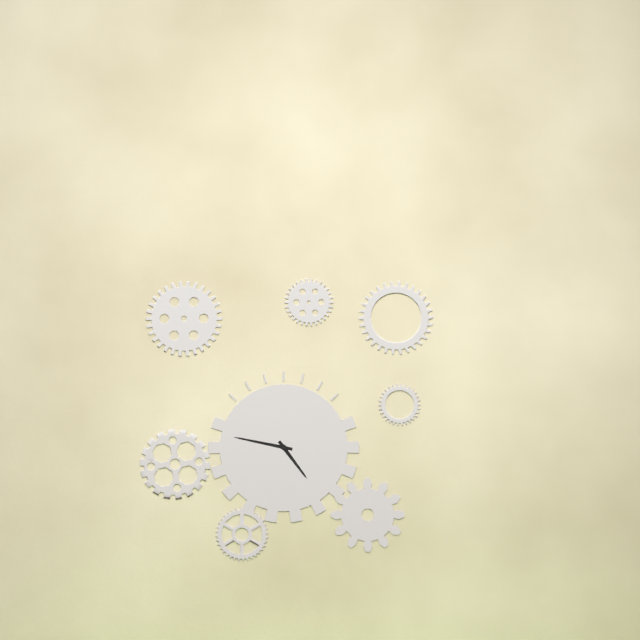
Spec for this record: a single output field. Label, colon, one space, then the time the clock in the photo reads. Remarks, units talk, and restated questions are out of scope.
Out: 4:47
